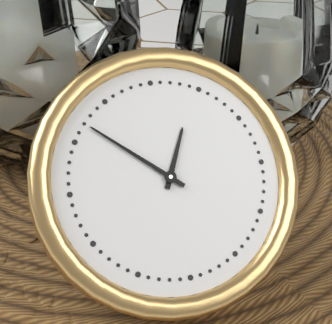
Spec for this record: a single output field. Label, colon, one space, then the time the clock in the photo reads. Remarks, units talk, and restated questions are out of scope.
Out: 12:52
